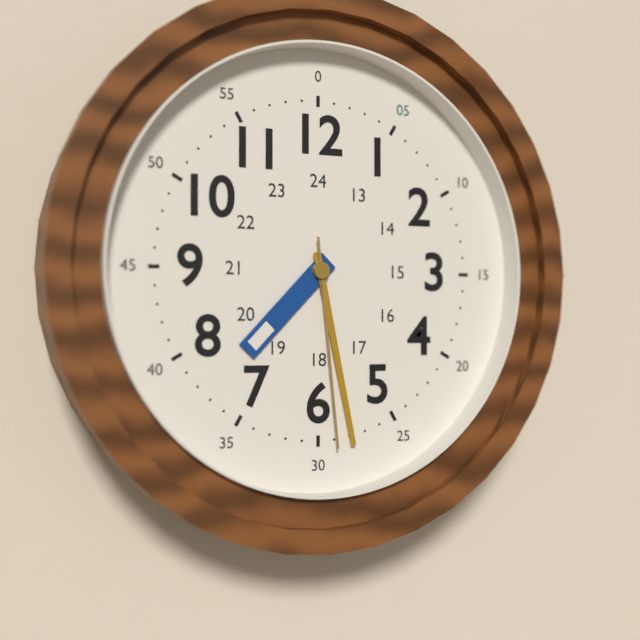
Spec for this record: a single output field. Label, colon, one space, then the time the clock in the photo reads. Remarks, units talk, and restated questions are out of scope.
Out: 7:28:29
